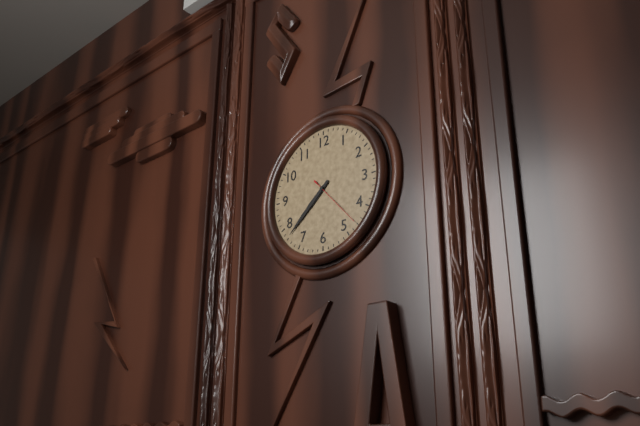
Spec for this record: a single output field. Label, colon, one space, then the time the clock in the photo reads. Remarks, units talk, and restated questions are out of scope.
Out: 7:38:23
